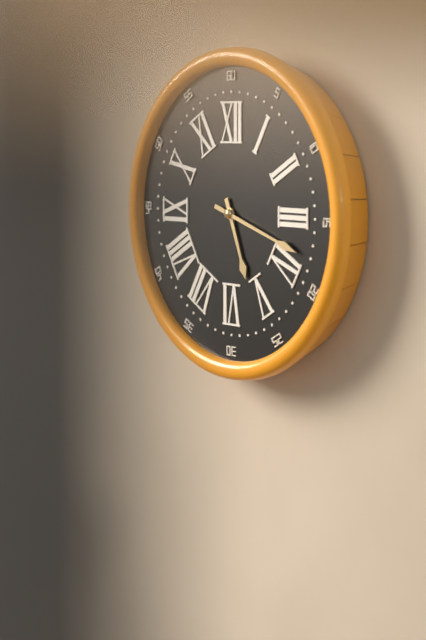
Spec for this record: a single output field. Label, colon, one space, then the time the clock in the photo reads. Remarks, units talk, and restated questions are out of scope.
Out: 5:18
